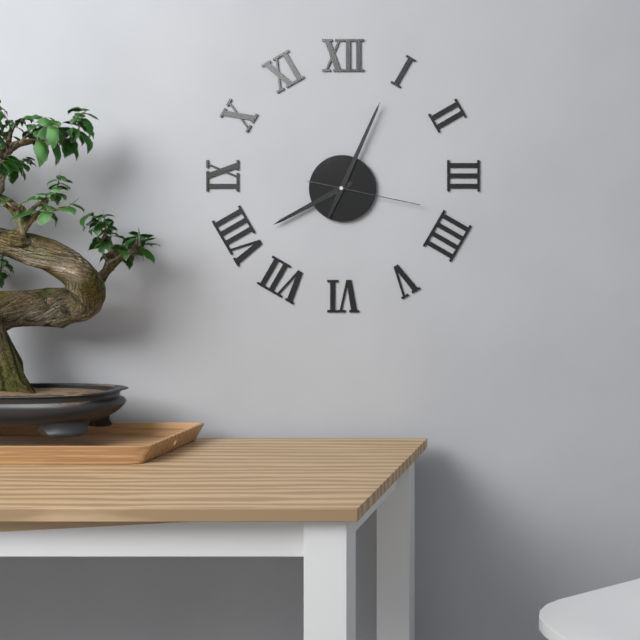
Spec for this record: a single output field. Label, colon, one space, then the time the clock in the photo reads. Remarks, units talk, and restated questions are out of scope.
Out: 8:04:17
